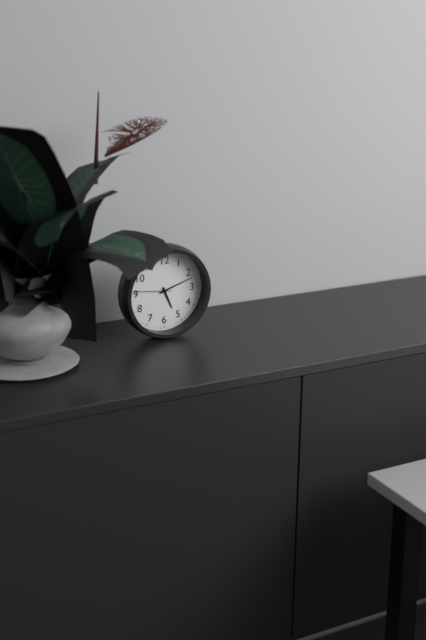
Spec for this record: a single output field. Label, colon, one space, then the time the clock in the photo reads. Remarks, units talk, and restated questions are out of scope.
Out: 5:12
